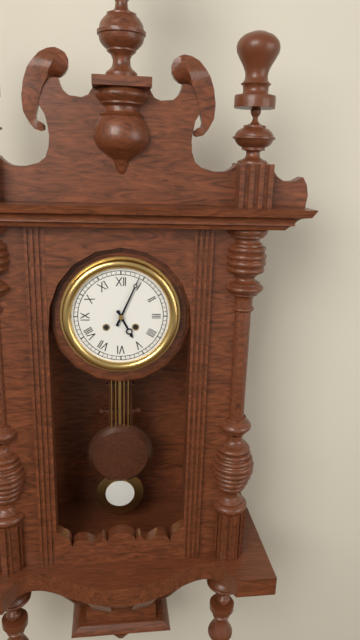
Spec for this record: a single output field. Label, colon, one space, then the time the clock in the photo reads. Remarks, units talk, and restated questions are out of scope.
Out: 5:04
